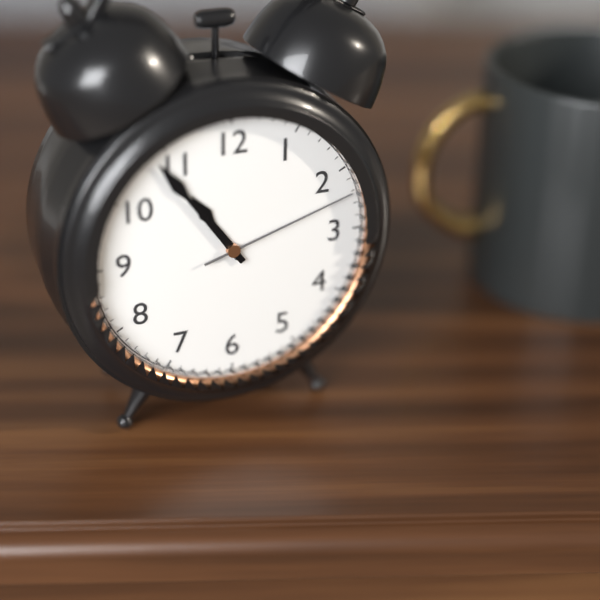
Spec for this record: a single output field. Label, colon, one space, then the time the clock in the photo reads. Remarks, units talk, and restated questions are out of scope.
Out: 10:54:12
